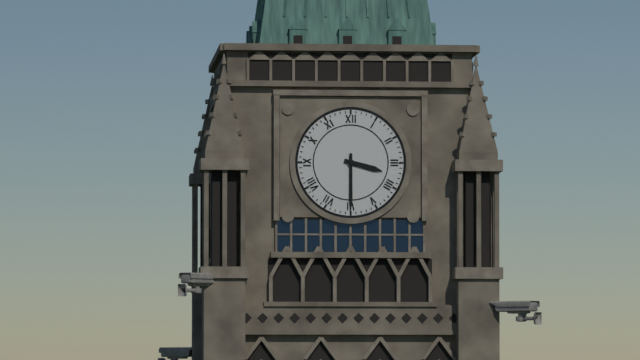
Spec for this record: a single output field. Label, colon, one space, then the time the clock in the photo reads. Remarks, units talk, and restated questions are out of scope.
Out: 3:30
